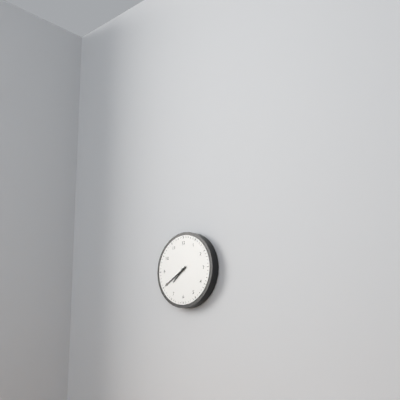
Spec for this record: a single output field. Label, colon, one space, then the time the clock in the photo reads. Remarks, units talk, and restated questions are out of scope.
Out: 7:40
